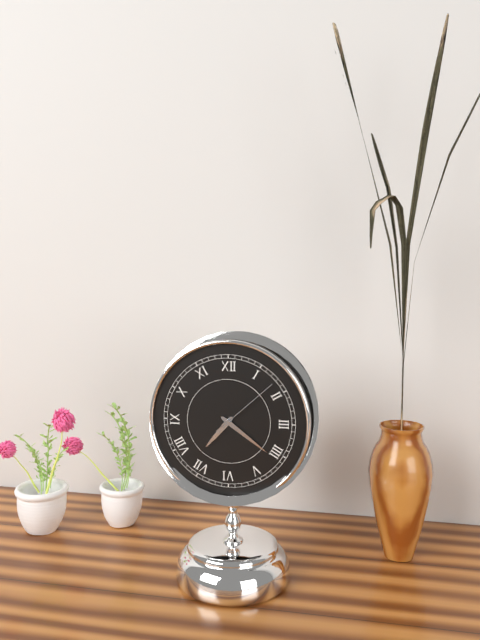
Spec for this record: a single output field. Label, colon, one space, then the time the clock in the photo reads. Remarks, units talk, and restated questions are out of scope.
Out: 7:21:08
